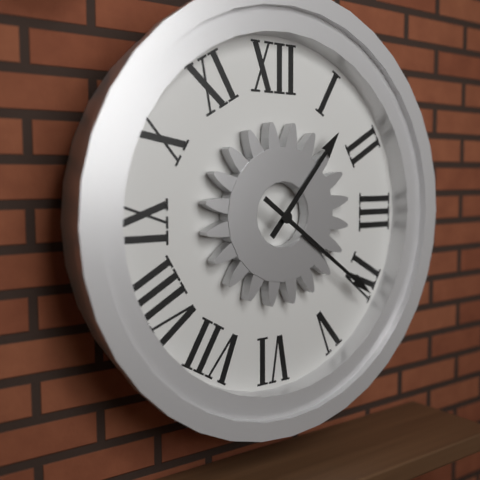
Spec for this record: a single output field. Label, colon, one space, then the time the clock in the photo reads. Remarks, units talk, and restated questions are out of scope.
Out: 1:21
